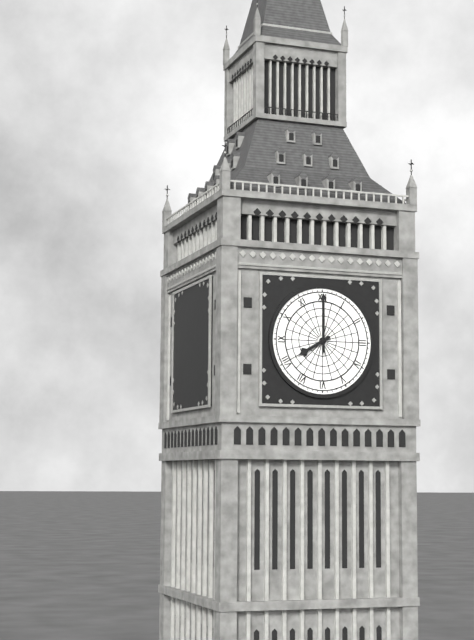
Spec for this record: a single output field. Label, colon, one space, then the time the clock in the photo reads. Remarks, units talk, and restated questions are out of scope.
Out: 8:00
